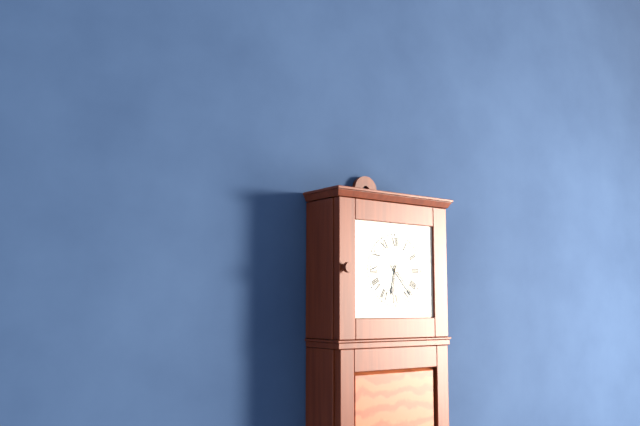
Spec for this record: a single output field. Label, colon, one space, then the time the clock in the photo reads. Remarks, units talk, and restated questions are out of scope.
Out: 6:23
